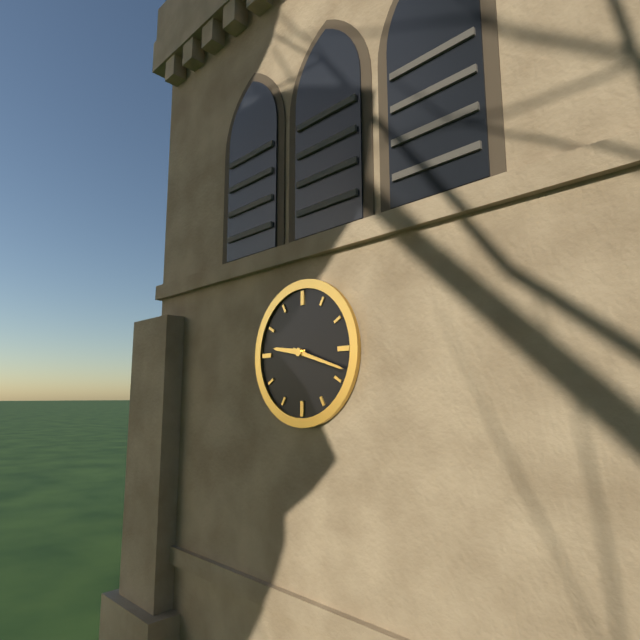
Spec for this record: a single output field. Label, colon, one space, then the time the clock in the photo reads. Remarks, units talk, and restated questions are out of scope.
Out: 9:18
